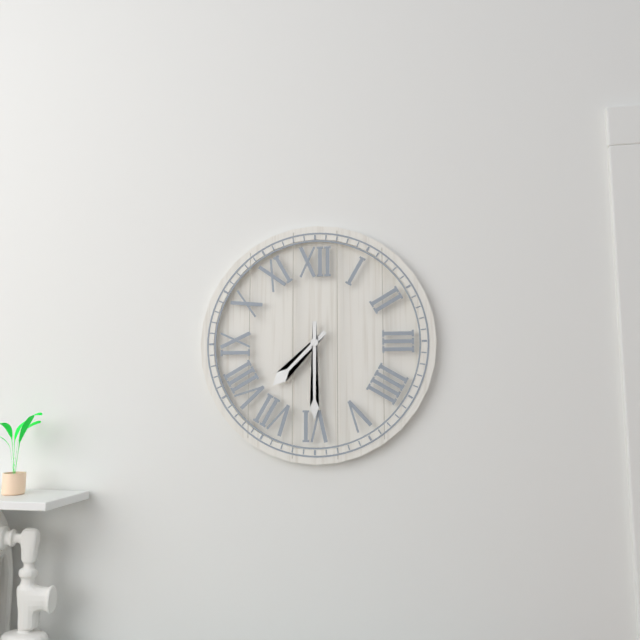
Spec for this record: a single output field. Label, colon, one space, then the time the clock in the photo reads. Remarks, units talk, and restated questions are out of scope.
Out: 7:30
